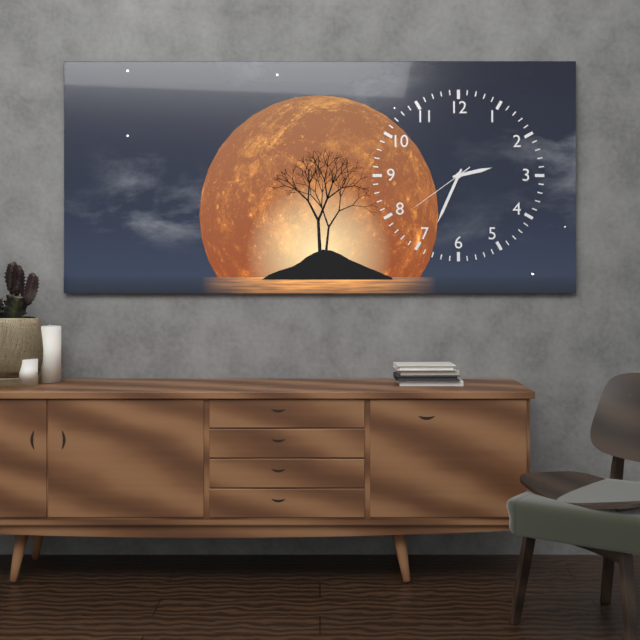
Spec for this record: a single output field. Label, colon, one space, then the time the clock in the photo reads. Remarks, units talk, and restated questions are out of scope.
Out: 2:34:39
